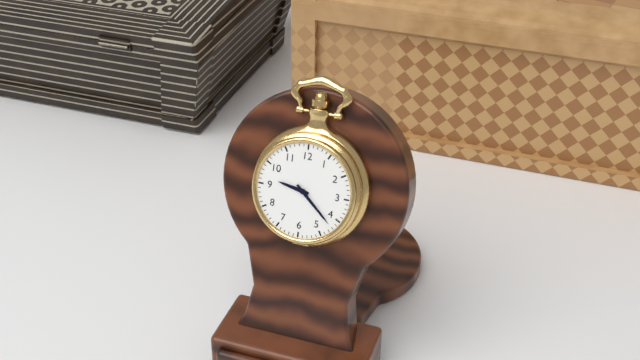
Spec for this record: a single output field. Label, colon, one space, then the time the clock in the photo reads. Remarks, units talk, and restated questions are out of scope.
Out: 9:22
